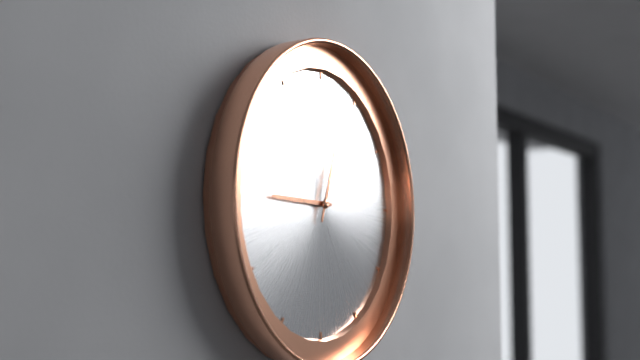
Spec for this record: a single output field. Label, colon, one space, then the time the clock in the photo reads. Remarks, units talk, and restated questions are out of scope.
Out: 9:03
